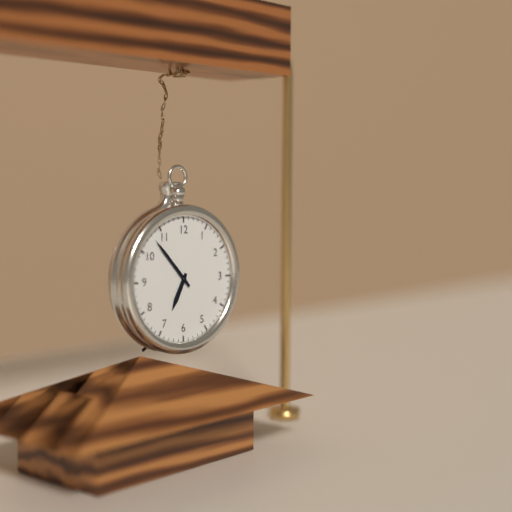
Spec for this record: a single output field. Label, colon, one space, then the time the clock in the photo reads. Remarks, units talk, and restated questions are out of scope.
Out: 6:53
